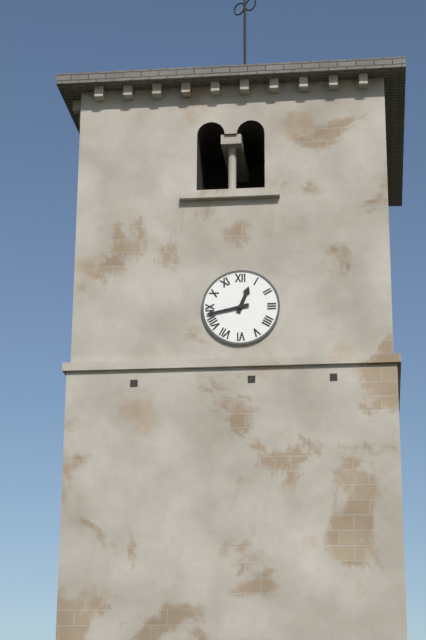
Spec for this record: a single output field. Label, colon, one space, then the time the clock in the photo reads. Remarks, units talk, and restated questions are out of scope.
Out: 12:43
